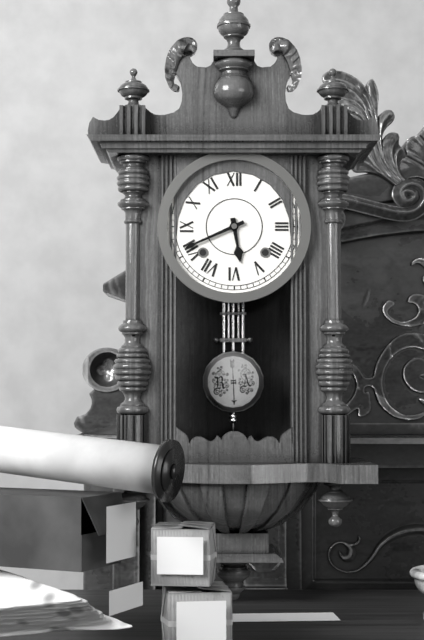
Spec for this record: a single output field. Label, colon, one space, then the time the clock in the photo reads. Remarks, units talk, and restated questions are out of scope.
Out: 5:41
